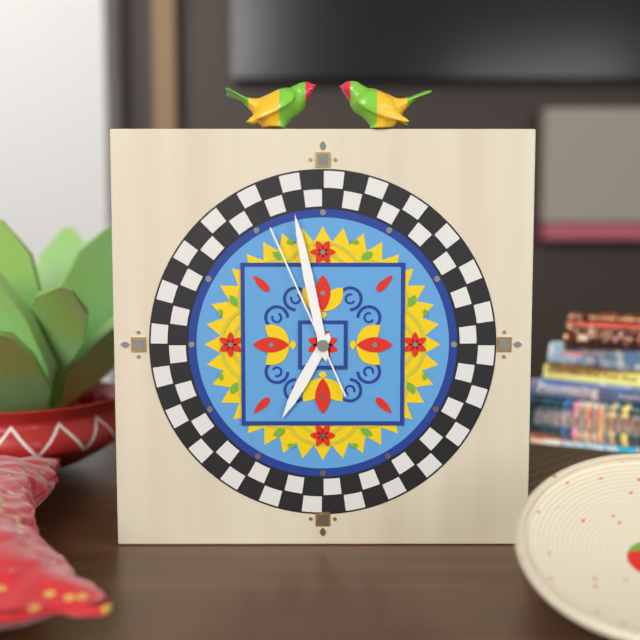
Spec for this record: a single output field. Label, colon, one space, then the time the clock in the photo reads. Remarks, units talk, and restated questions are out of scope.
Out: 6:58:56
